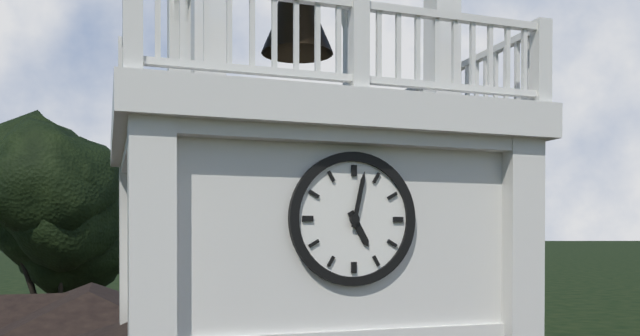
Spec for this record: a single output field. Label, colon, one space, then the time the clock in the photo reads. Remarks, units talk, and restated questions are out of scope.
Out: 5:02
